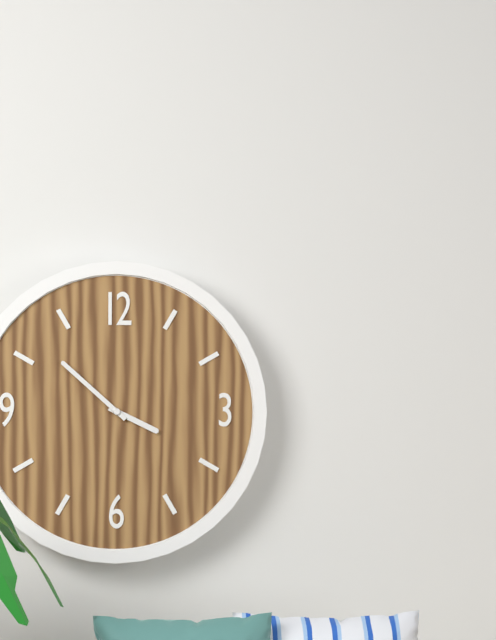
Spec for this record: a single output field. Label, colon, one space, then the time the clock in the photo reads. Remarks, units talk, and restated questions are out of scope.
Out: 3:52
